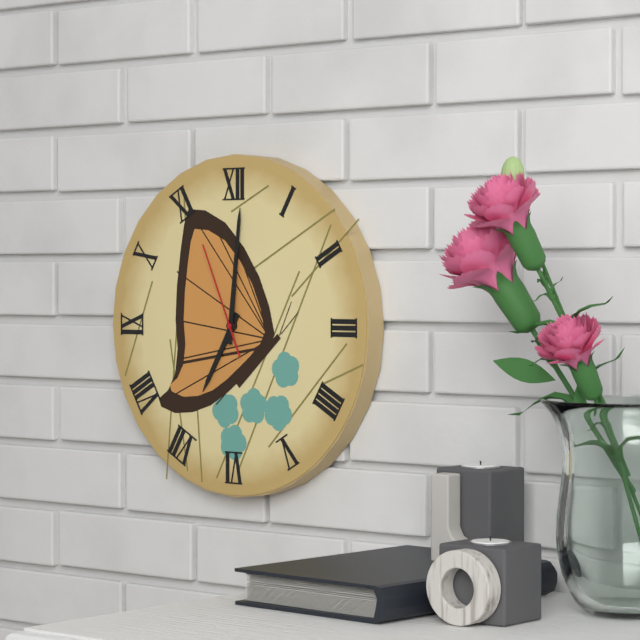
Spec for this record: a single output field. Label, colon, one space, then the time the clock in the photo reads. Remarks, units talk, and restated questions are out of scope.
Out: 7:01:56
